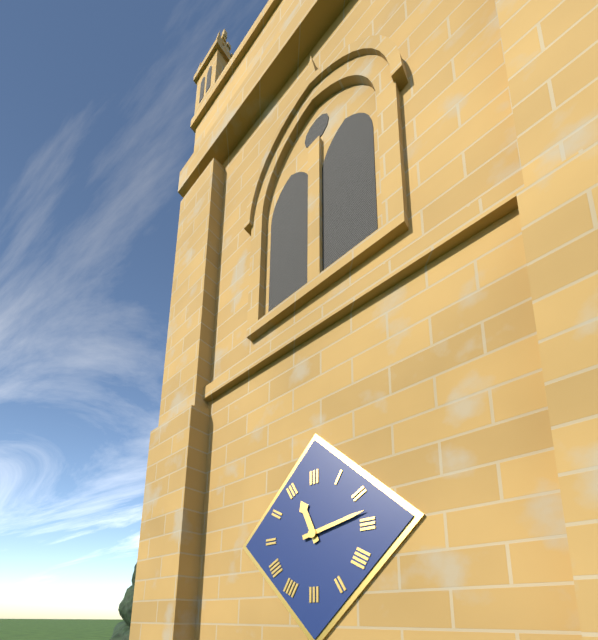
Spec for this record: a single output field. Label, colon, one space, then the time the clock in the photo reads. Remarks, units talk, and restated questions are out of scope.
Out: 11:13
